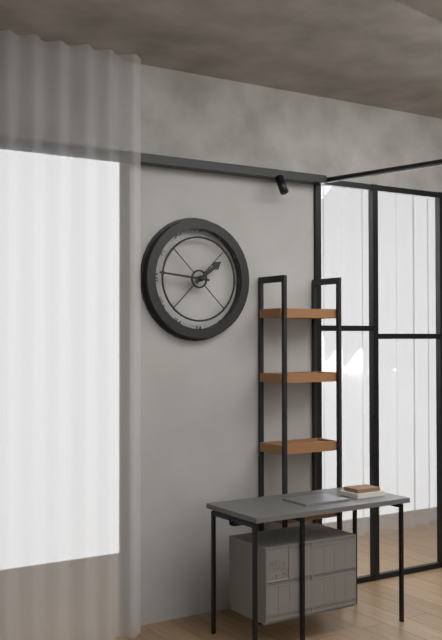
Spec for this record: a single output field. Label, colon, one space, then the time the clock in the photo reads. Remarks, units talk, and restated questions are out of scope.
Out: 1:46
